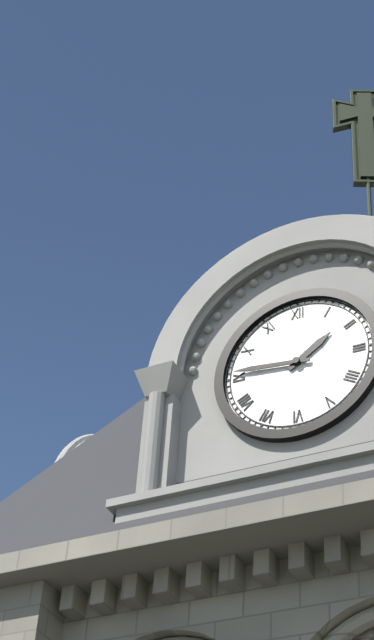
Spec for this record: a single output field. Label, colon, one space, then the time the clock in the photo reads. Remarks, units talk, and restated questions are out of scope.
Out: 1:46
